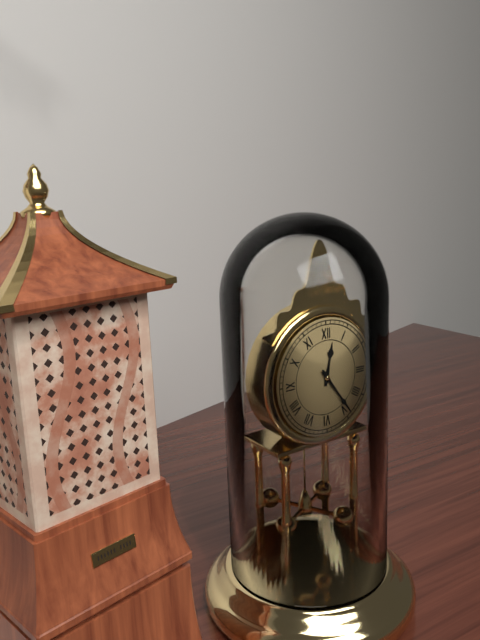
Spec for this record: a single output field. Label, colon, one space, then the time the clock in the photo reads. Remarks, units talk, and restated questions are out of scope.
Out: 12:24
